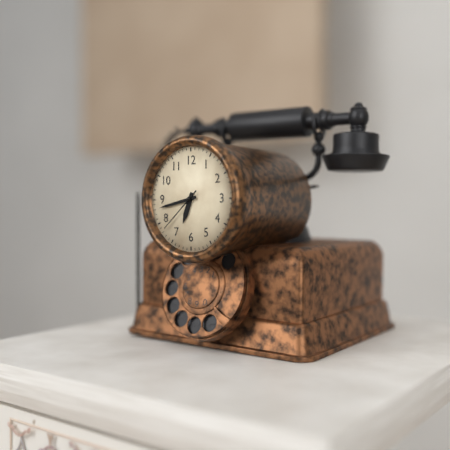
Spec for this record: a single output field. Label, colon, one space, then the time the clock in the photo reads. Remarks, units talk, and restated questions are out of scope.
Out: 6:43
